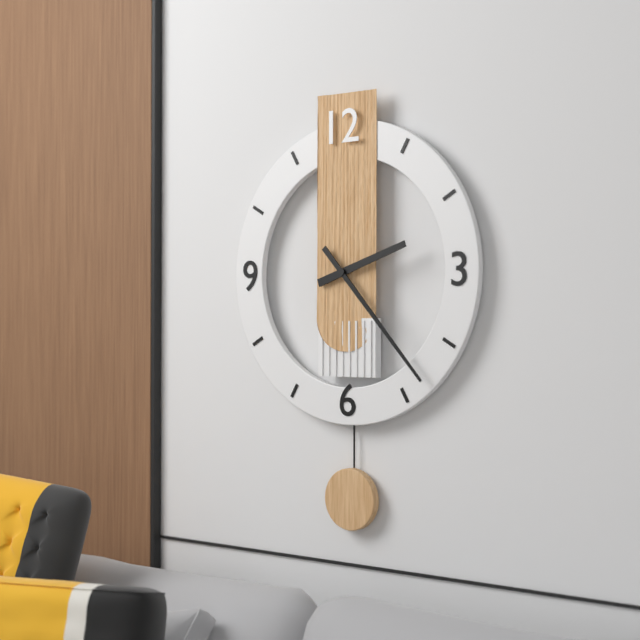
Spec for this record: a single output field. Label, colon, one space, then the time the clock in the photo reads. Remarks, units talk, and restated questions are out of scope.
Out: 2:23
